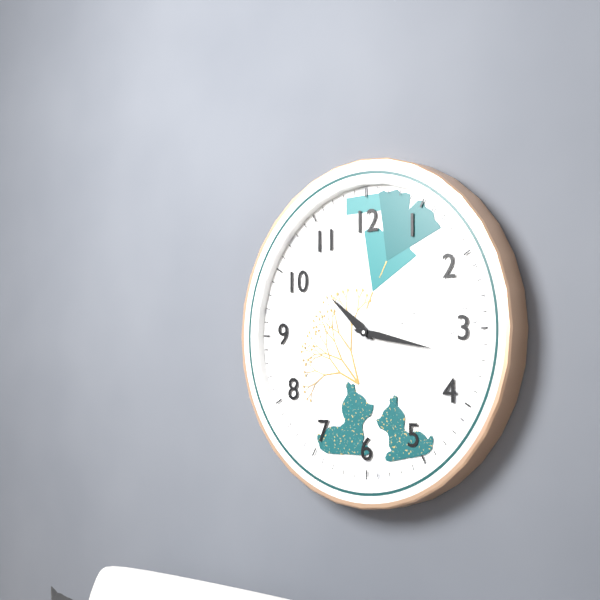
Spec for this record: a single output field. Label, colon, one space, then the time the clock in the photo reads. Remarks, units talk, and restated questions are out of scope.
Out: 10:17
